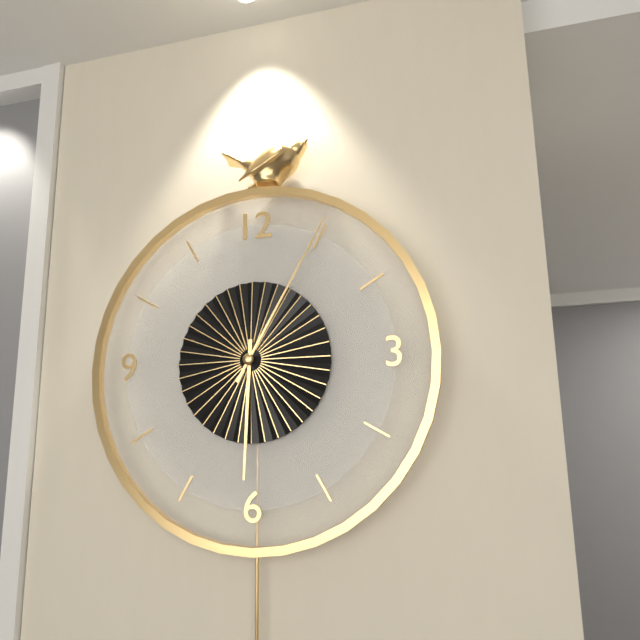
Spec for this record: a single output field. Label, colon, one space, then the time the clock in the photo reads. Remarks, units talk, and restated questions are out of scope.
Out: 6:05
